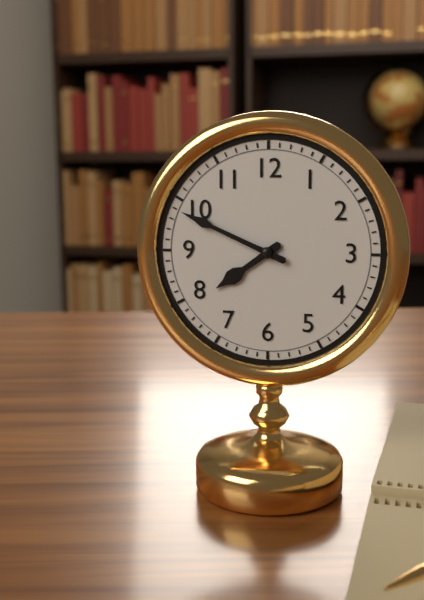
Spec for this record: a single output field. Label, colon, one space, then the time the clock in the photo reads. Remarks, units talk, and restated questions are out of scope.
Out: 7:49
